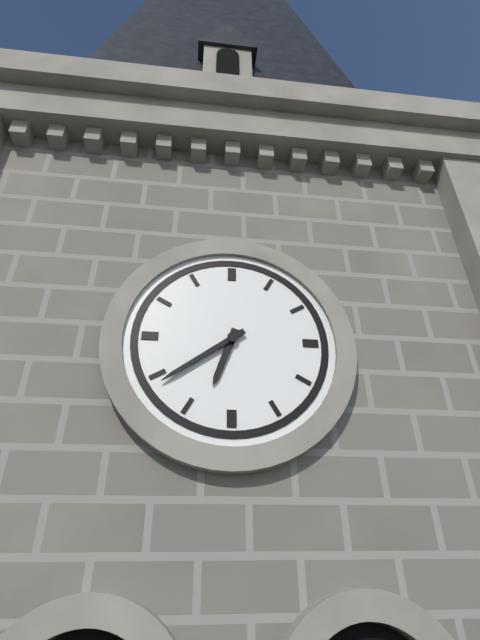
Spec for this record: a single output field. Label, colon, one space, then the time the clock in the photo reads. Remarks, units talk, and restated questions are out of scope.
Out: 6:39
